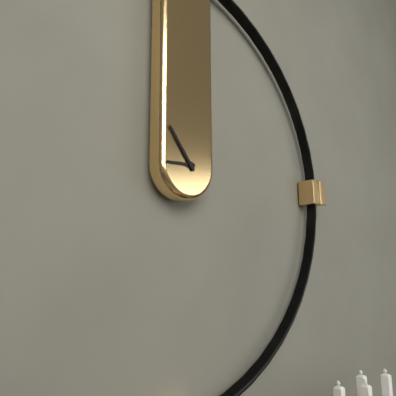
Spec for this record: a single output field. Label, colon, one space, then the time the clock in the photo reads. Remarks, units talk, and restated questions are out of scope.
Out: 8:54
